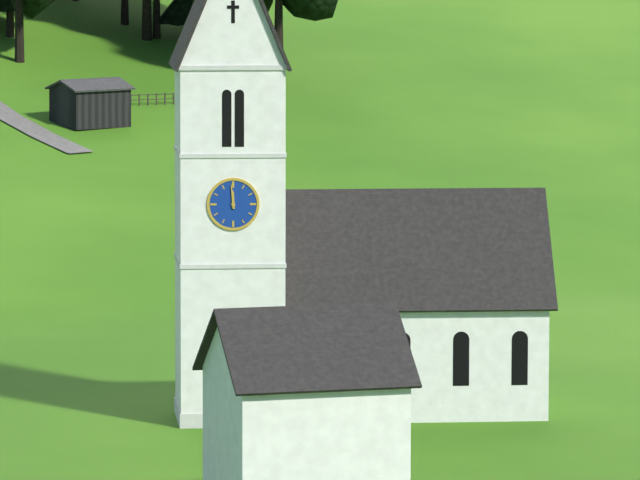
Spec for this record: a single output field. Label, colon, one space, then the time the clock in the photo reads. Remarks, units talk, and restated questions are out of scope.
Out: 11:59
